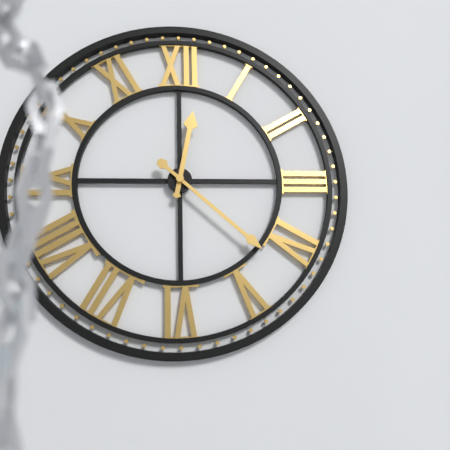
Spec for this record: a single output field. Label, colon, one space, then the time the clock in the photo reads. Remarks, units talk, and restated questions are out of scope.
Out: 12:22
